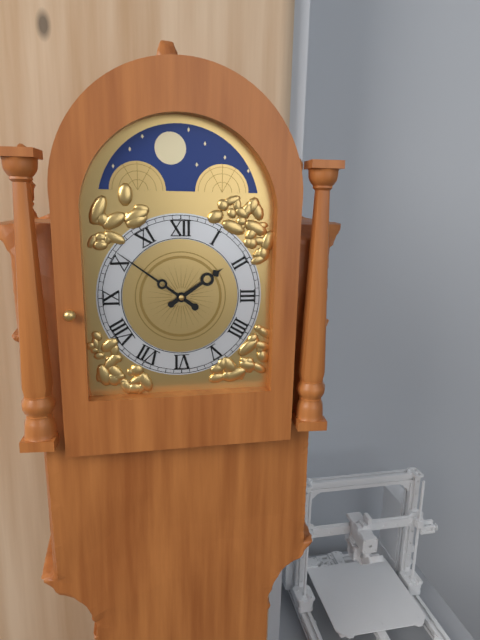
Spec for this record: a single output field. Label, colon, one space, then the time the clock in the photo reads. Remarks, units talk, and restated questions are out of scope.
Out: 1:51
